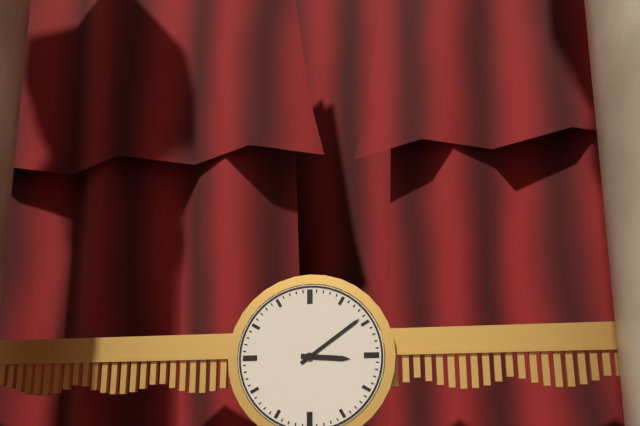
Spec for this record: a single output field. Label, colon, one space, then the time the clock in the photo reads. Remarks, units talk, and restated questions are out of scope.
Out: 3:09
